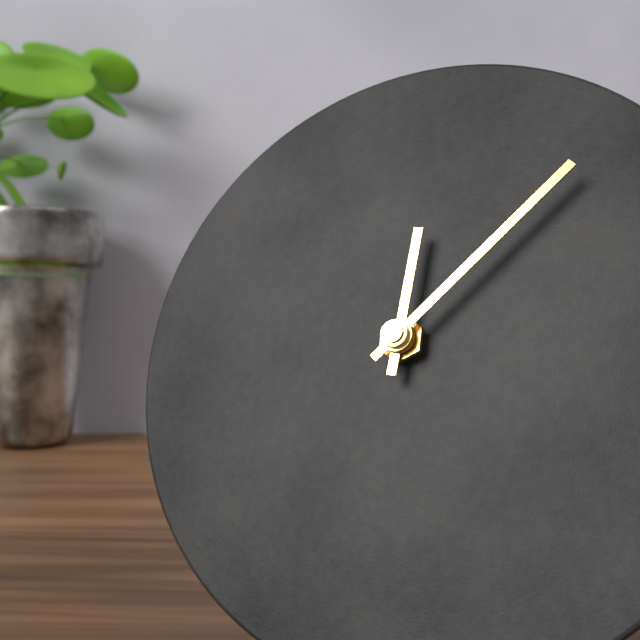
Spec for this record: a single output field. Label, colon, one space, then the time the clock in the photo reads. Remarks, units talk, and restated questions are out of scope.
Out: 12:07
